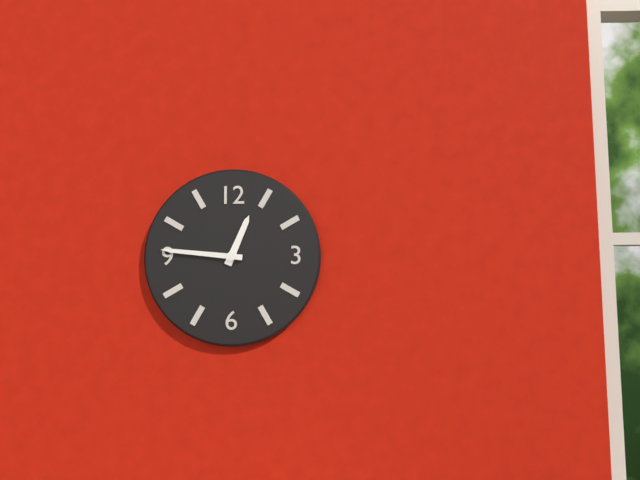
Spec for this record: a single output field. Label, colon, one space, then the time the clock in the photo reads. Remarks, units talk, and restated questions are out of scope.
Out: 12:46
